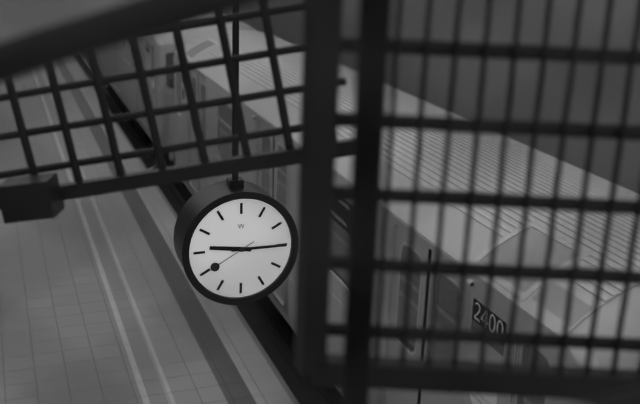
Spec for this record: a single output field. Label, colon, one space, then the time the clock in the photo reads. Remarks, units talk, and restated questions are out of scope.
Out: 9:15:40
